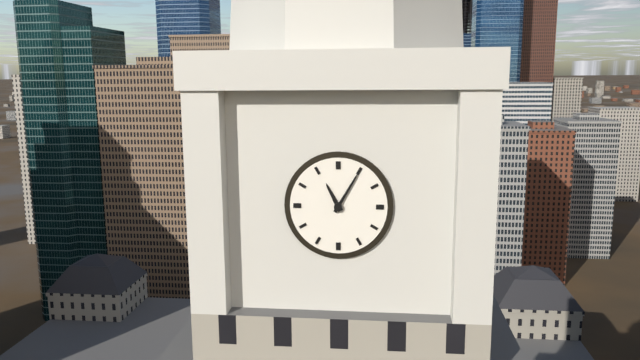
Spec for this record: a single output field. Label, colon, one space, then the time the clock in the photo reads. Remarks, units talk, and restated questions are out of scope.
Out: 11:05
